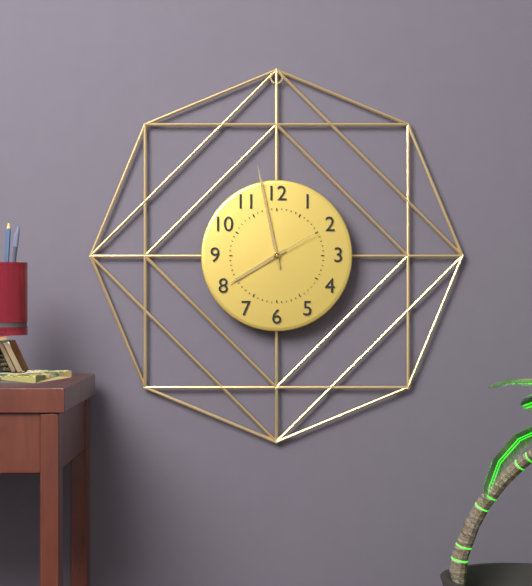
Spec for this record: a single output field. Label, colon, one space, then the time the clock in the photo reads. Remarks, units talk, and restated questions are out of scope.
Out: 7:58:10
